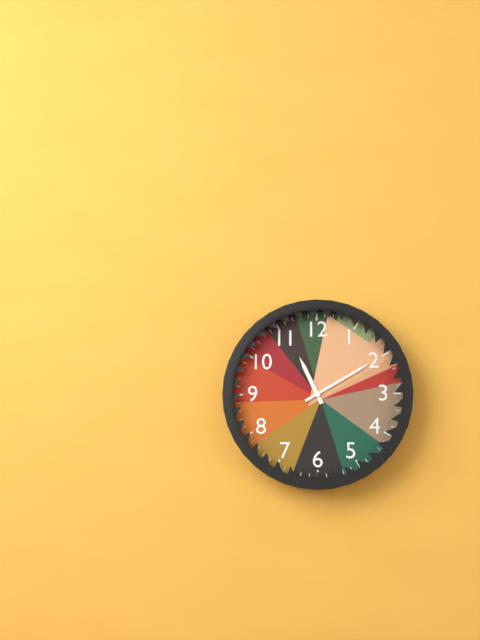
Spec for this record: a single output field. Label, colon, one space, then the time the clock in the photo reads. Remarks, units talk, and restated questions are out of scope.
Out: 11:10
